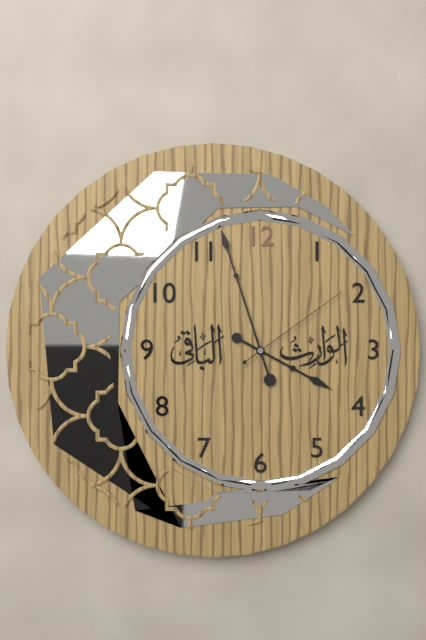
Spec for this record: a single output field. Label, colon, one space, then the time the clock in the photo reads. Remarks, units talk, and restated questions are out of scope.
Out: 3:57:09
